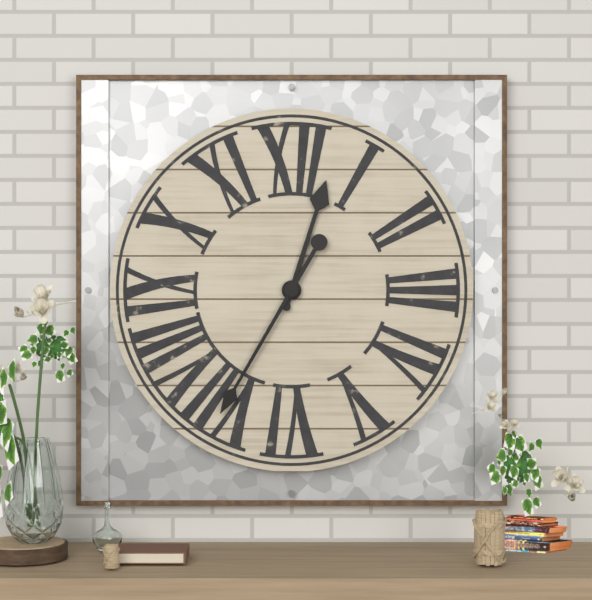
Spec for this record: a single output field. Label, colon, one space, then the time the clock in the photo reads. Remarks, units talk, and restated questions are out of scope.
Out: 12:35
